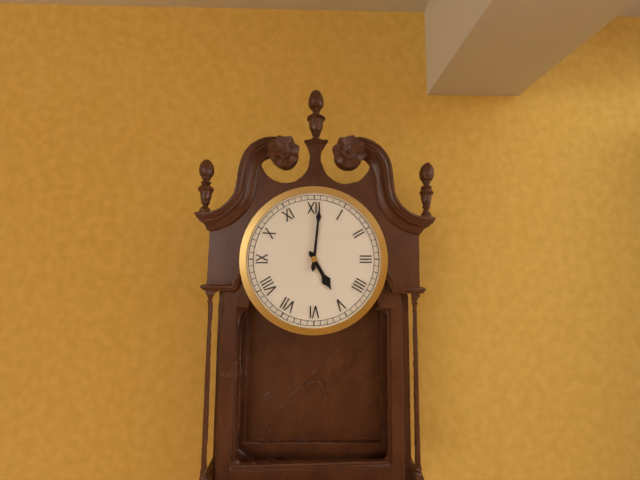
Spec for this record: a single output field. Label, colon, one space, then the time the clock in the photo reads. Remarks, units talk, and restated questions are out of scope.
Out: 5:01
